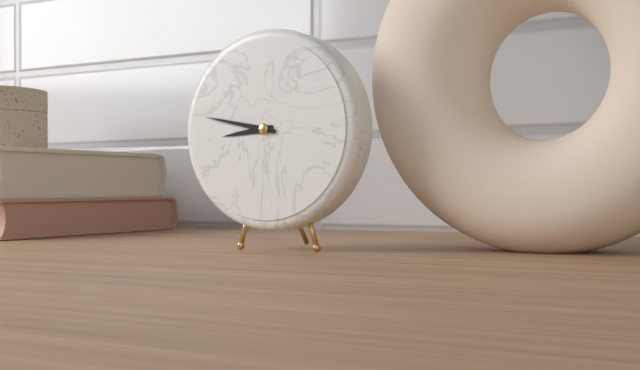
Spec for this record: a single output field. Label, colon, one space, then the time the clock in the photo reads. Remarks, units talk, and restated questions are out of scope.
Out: 8:47
